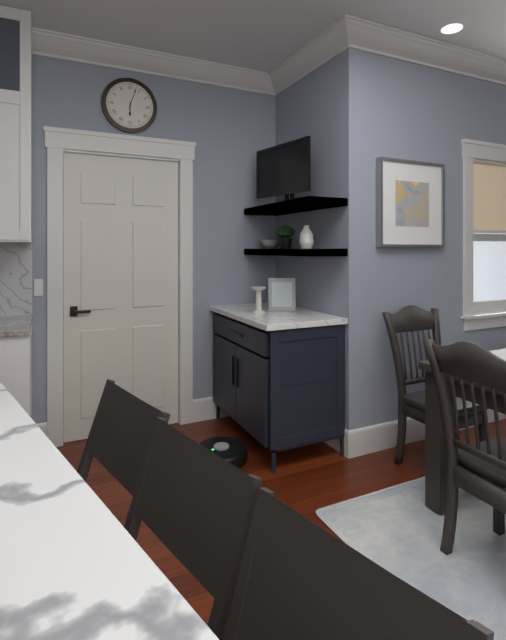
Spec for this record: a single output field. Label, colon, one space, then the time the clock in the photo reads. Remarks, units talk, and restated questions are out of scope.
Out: 6:03
